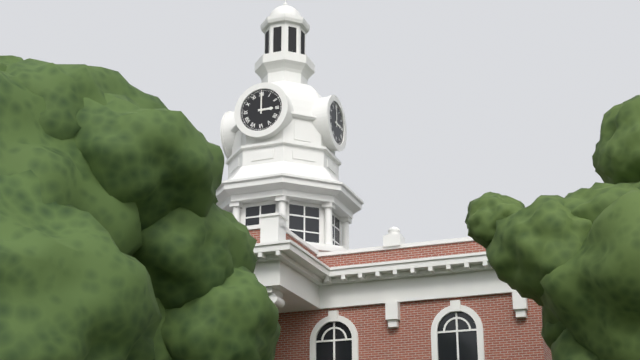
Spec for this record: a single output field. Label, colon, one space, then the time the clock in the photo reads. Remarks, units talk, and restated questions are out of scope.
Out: 3:00
